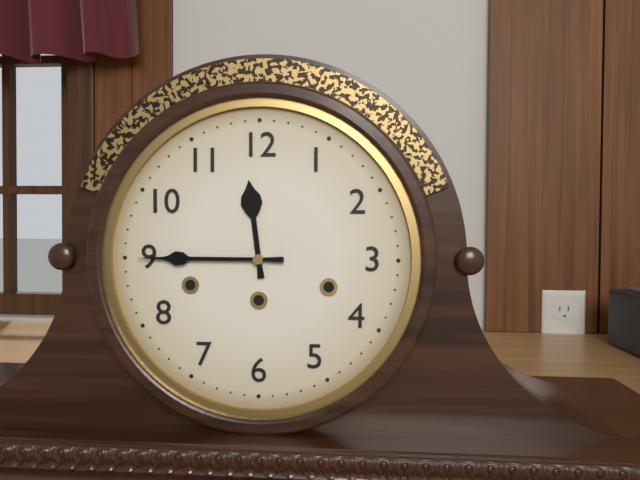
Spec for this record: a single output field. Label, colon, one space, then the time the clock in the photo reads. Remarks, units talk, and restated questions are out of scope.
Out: 11:45
